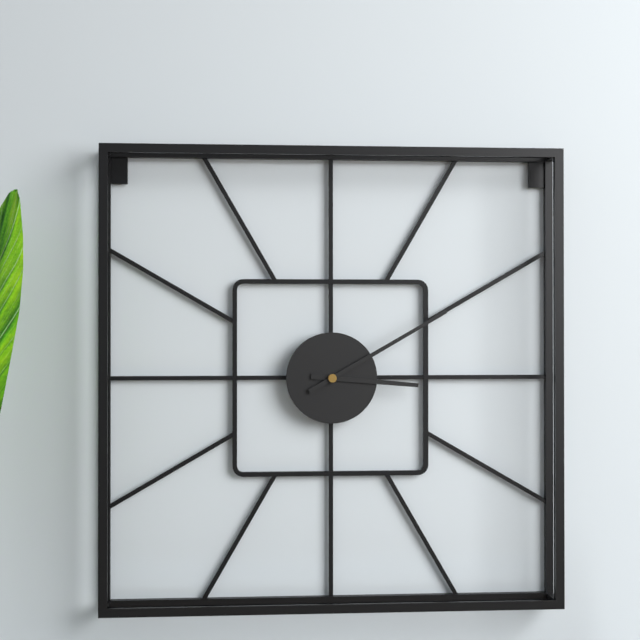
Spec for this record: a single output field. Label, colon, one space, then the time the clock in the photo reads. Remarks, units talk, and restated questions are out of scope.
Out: 3:10
